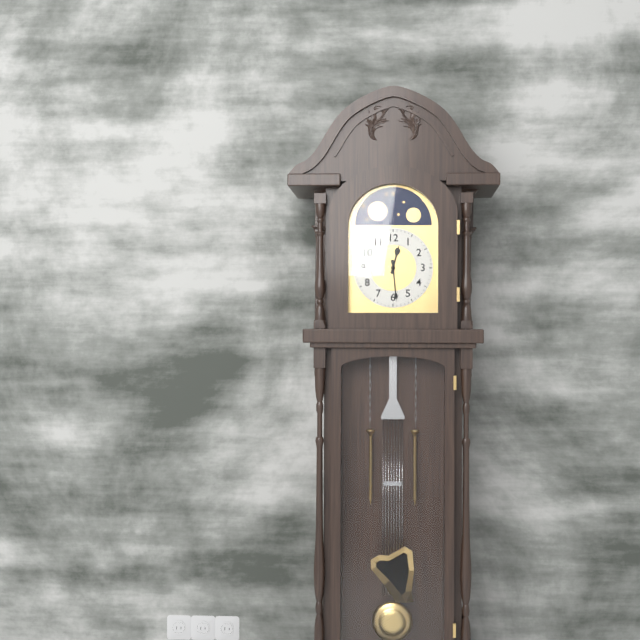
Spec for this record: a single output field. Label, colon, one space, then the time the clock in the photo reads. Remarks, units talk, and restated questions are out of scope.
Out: 12:29
